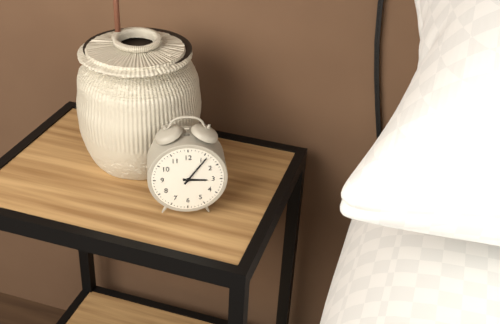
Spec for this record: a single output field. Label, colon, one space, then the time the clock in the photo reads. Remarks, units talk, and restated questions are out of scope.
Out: 3:06
